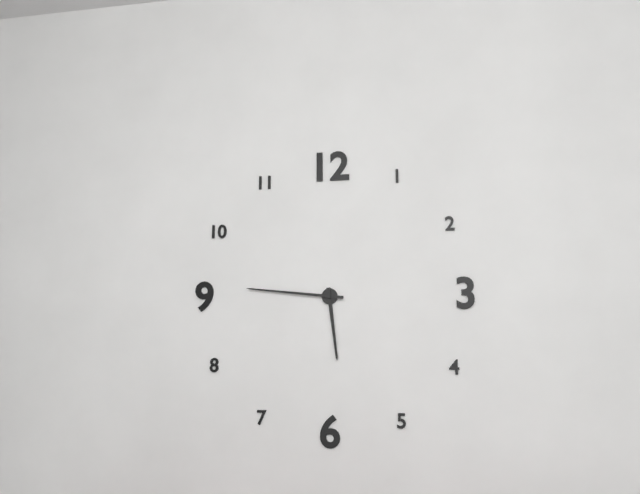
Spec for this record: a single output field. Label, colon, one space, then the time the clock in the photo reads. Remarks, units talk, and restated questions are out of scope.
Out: 5:46
